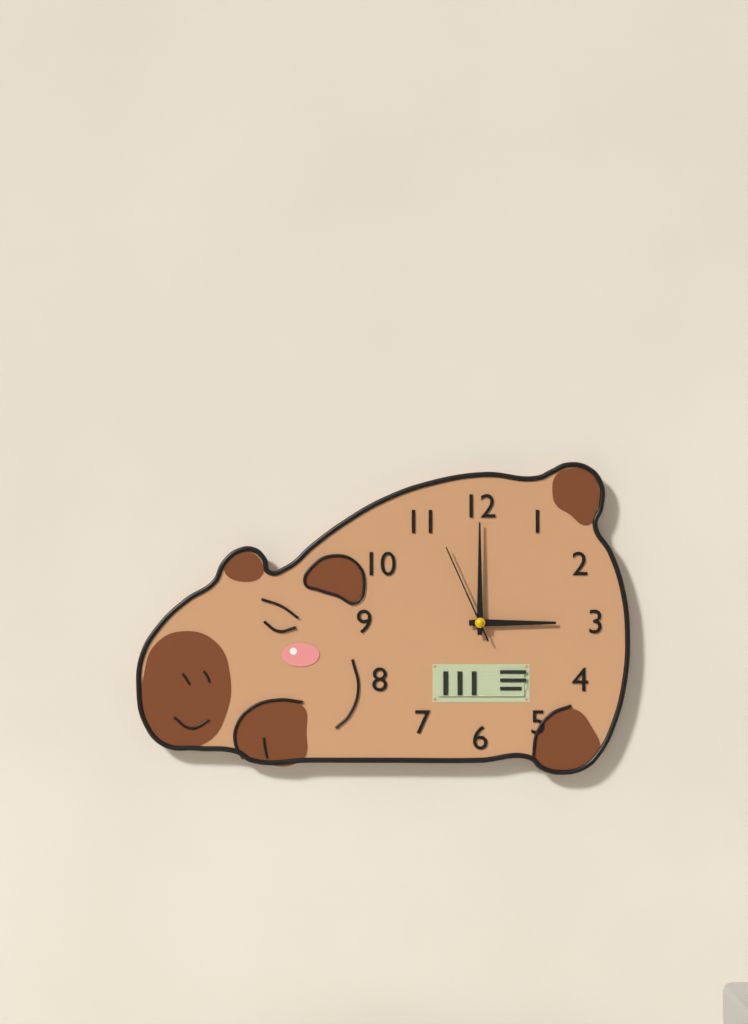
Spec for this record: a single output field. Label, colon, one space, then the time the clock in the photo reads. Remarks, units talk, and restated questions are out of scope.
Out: 3:00:56
